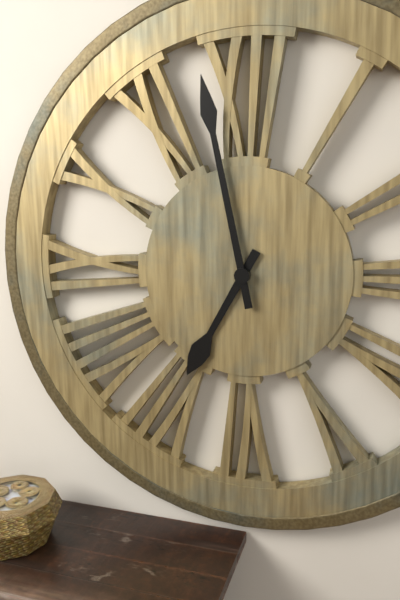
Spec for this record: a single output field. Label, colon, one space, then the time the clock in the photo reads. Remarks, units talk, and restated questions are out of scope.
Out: 6:58
